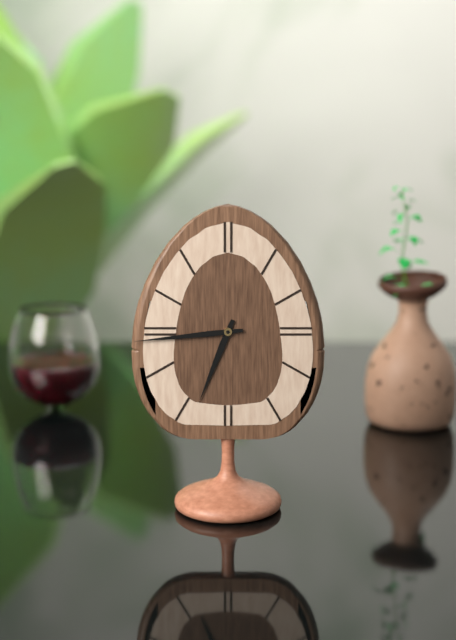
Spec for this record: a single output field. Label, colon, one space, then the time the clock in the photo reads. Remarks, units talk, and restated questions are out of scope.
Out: 6:44
